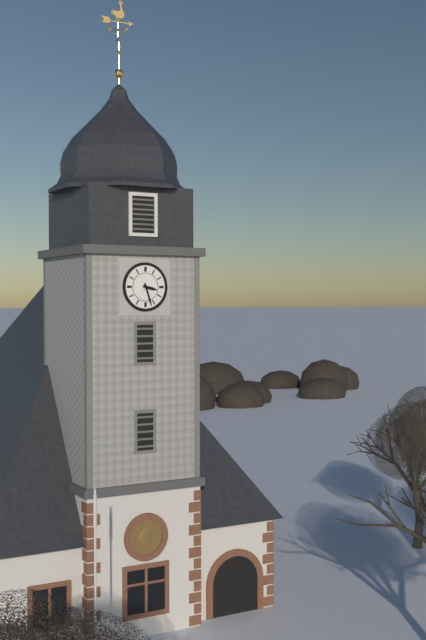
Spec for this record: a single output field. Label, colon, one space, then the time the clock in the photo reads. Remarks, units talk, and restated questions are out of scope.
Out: 3:27
